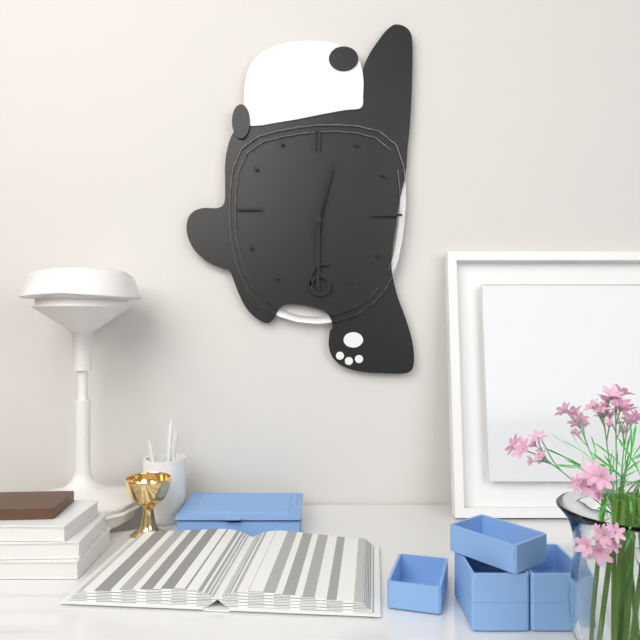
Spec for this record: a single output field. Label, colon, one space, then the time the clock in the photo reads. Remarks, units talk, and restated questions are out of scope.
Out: 12:30:02
